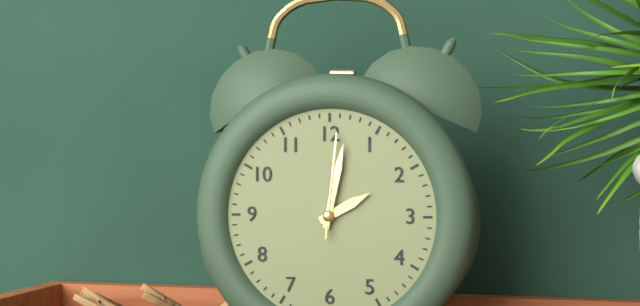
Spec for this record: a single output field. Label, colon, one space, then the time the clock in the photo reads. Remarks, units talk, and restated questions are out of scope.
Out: 2:02:01
